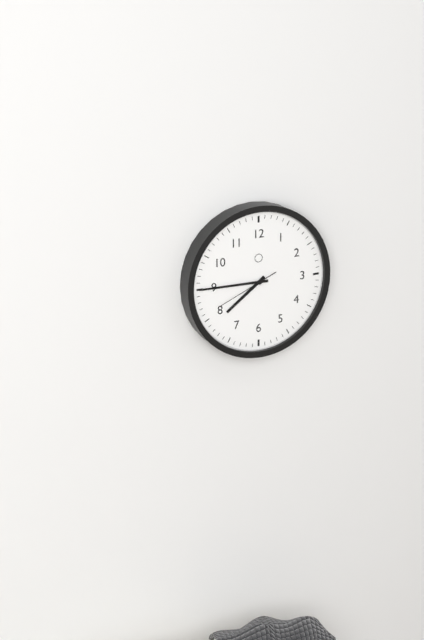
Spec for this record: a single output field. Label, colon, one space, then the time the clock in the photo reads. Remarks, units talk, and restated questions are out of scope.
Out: 7:45:41
